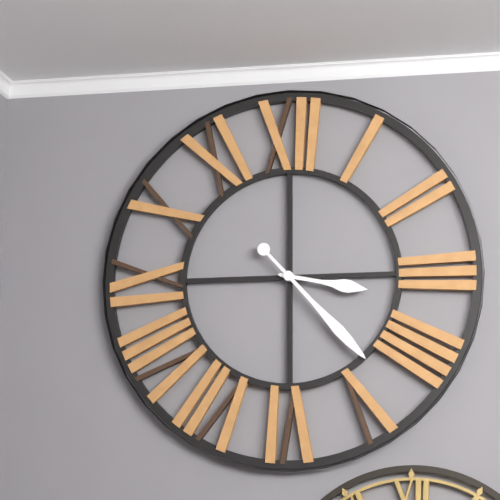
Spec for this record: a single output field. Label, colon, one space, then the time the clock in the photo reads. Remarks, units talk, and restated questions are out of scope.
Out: 3:23
